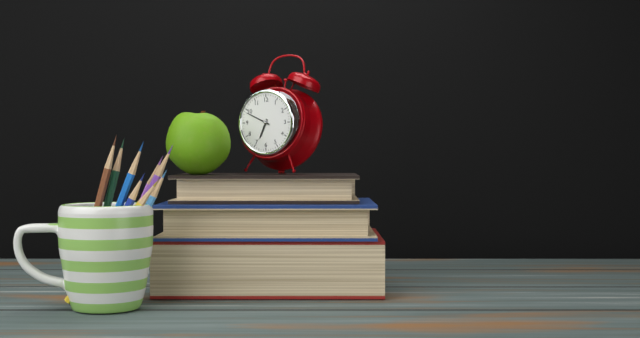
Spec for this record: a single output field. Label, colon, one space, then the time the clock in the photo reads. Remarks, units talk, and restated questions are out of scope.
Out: 6:49
